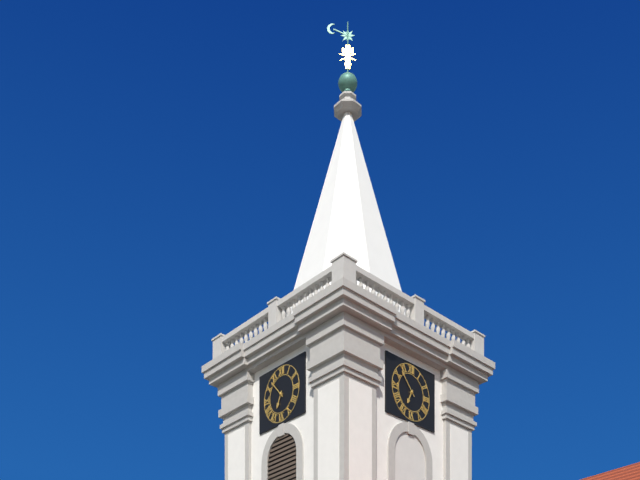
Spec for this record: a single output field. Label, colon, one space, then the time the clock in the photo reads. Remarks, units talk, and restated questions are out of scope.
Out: 6:53
